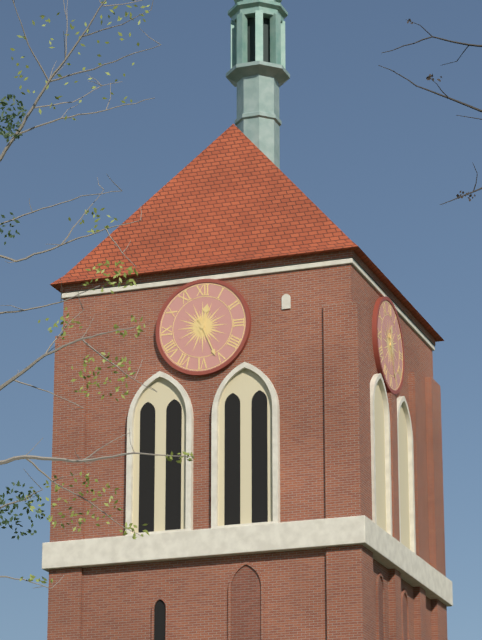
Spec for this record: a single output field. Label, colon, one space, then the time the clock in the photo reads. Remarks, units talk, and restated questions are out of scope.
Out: 12:26
